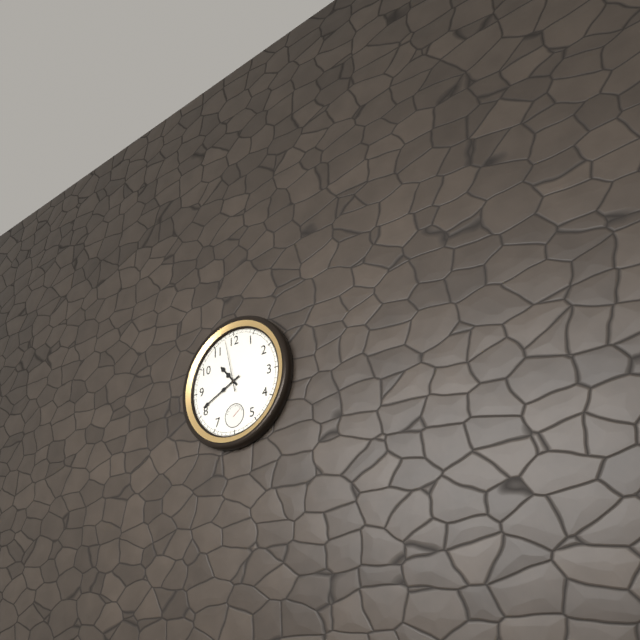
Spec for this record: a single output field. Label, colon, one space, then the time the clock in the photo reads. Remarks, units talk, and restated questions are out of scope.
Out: 10:41:58
